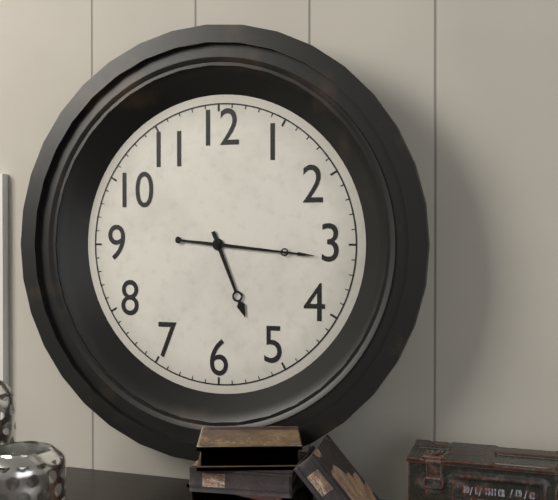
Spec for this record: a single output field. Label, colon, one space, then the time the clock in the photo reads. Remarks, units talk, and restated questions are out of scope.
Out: 5:16
